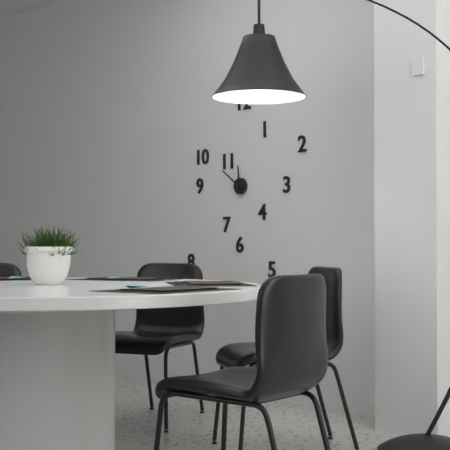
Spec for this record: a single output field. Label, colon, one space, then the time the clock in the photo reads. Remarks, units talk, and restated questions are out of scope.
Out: 11:51
